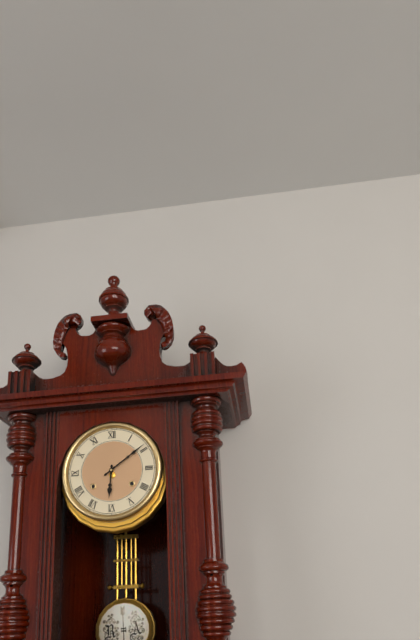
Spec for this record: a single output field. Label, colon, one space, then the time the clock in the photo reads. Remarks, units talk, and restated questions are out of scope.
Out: 6:09
